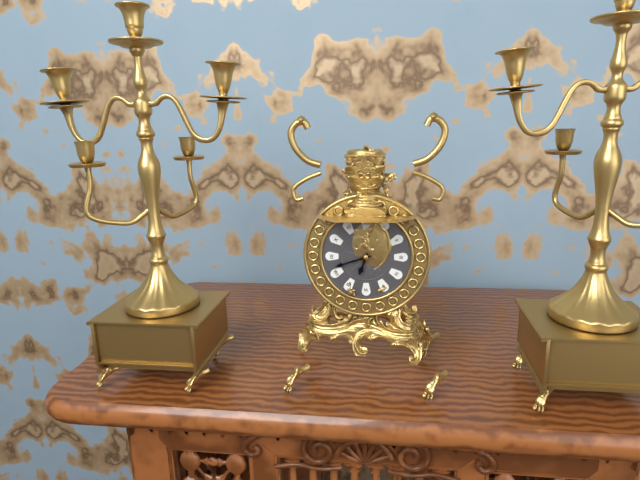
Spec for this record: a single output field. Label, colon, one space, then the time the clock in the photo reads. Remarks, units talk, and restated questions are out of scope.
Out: 6:42
